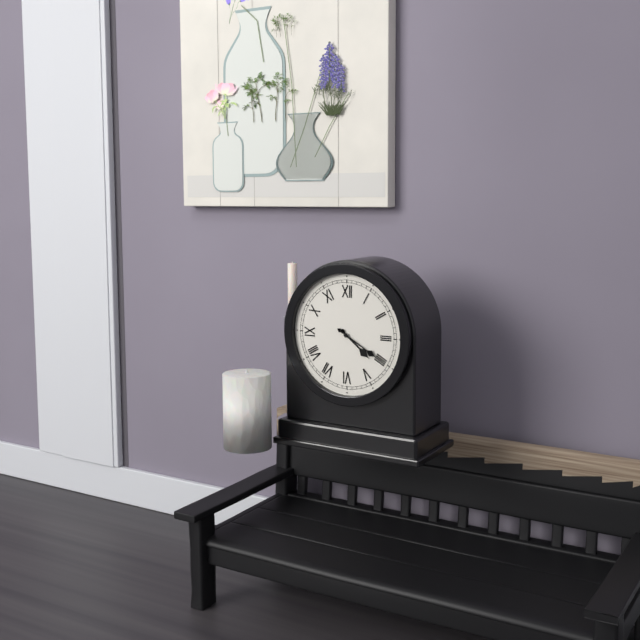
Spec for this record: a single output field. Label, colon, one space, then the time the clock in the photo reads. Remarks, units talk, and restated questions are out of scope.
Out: 4:20
